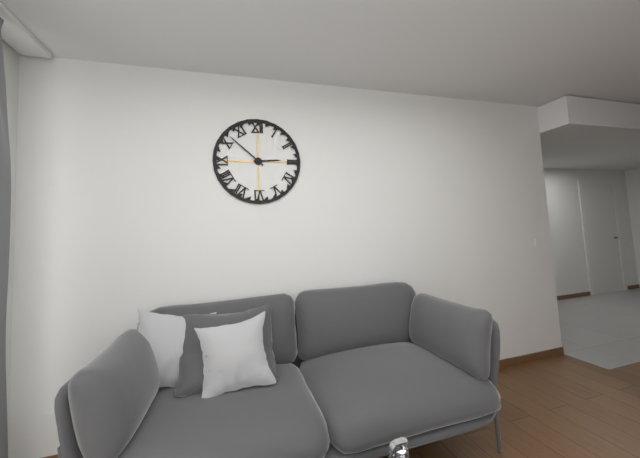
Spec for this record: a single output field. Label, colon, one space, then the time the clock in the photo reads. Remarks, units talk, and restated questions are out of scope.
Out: 2:52
